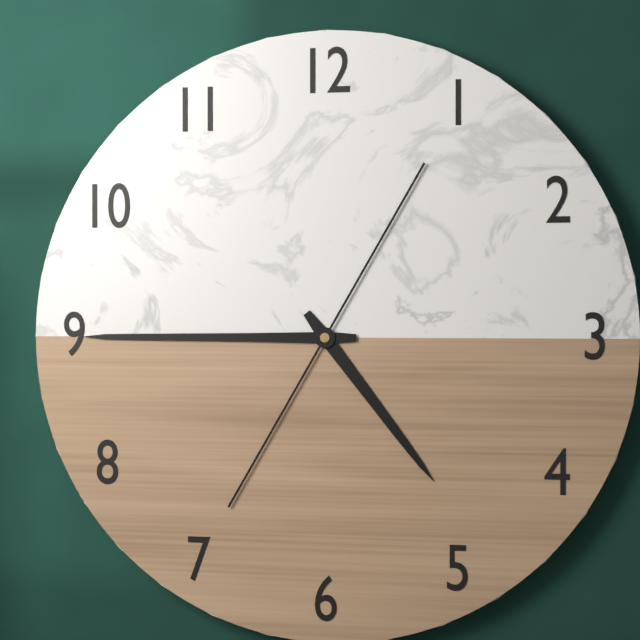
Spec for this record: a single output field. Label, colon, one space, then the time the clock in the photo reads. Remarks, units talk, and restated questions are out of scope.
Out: 4:45
